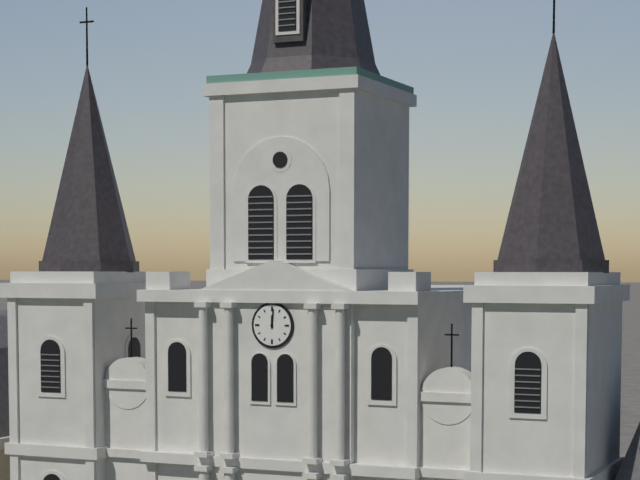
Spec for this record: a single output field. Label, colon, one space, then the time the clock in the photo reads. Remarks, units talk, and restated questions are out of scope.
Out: 12:01
